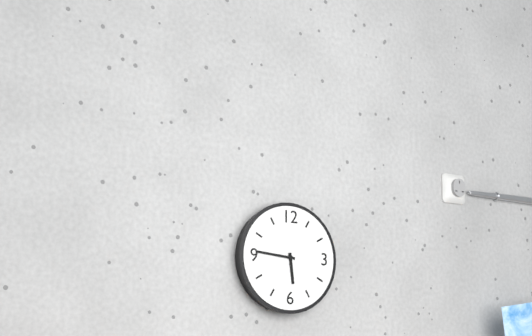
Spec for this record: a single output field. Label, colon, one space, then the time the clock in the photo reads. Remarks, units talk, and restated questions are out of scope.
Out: 5:46
